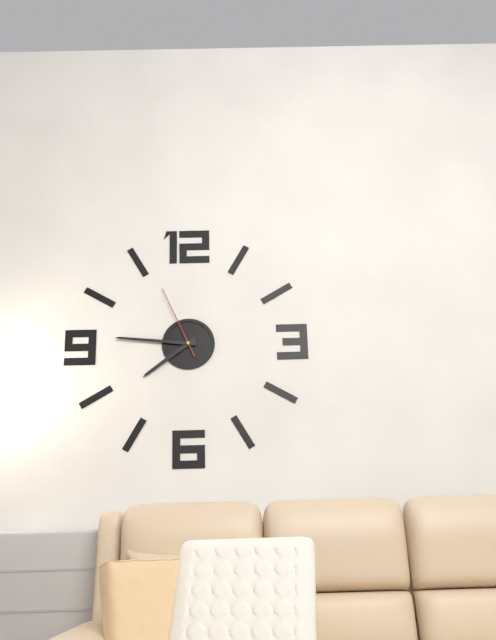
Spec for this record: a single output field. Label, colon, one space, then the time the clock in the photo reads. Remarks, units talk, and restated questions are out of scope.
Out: 7:46:56
